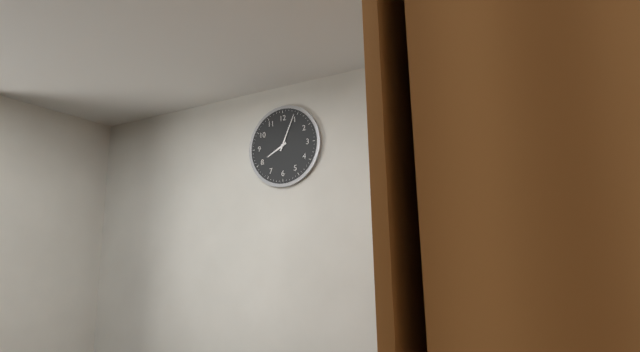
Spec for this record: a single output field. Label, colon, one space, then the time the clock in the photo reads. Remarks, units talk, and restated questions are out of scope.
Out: 8:04
